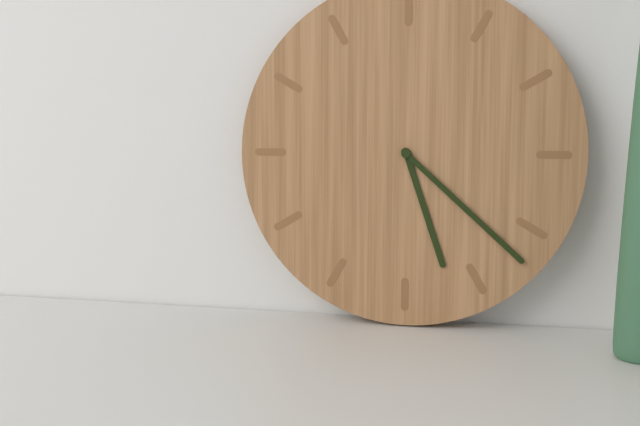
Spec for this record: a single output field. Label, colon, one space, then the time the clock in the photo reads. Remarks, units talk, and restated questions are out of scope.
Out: 5:22
